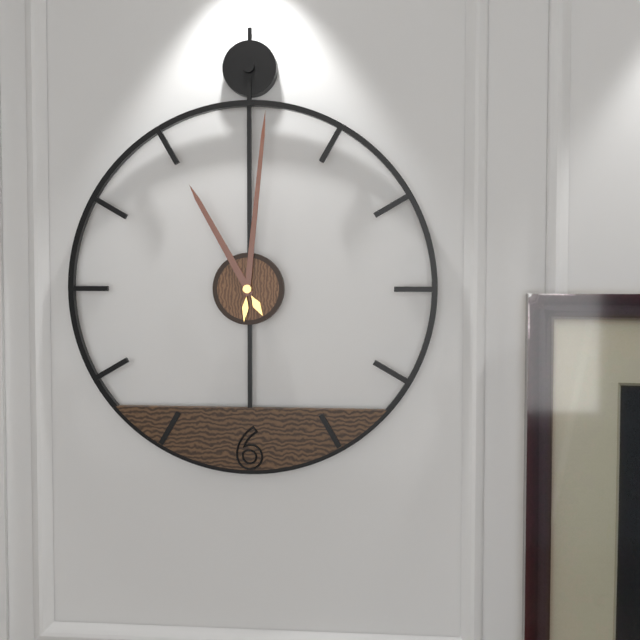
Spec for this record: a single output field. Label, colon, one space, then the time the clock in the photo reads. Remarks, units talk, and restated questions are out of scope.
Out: 11:01
